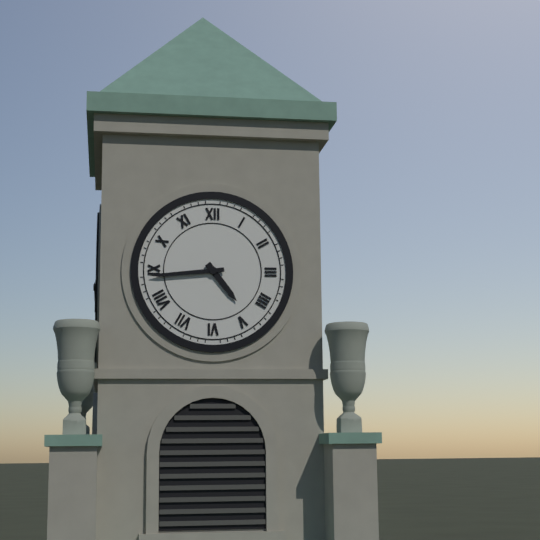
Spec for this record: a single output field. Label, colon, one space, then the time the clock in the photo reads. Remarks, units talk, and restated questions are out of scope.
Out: 4:44
